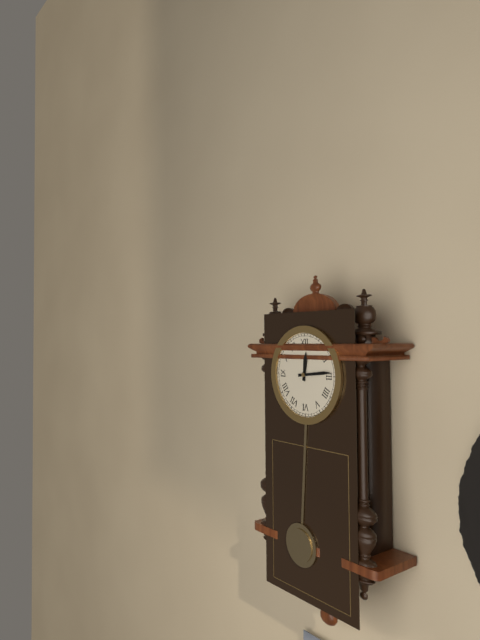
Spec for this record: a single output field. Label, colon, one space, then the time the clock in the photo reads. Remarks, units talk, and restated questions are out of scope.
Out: 12:14
